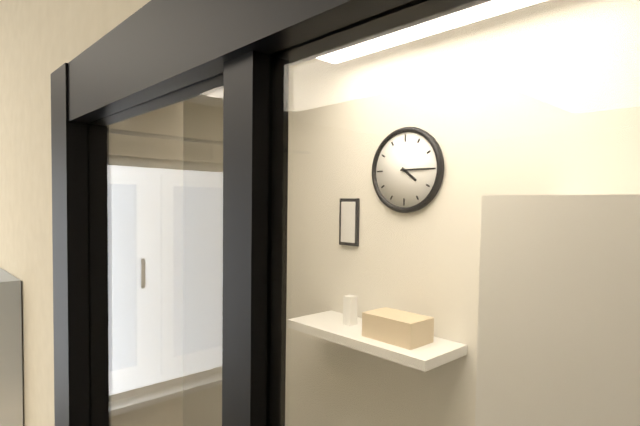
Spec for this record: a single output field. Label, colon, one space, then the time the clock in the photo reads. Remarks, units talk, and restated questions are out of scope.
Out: 4:15
